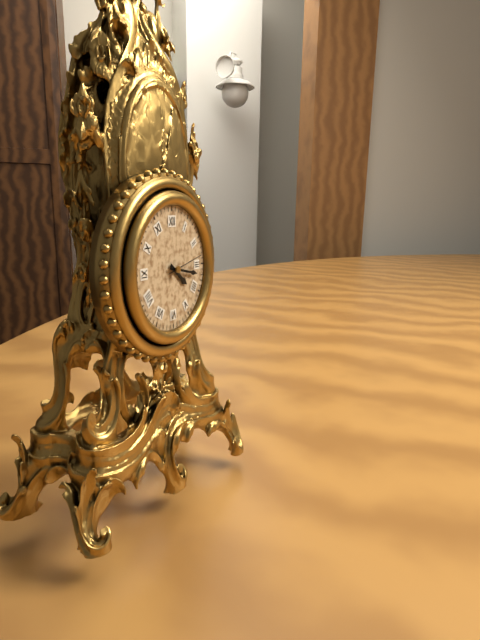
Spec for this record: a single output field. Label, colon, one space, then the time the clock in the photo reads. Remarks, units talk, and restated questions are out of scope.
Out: 4:17
